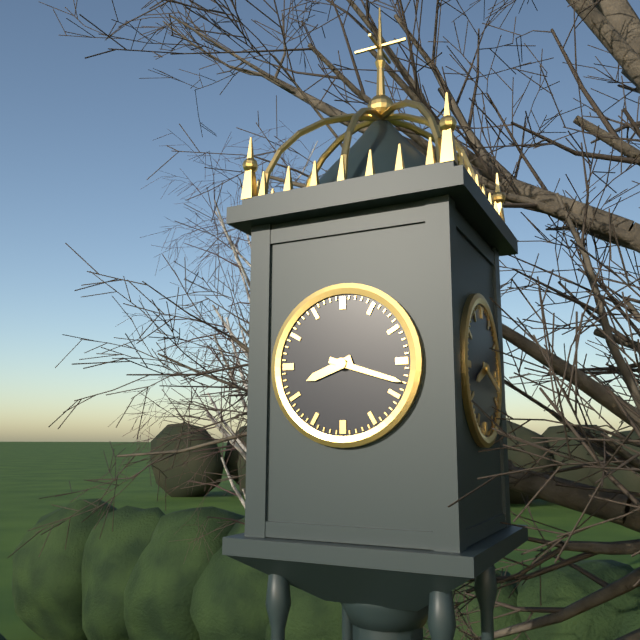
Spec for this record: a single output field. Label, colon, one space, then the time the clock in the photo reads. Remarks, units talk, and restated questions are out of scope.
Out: 8:18
